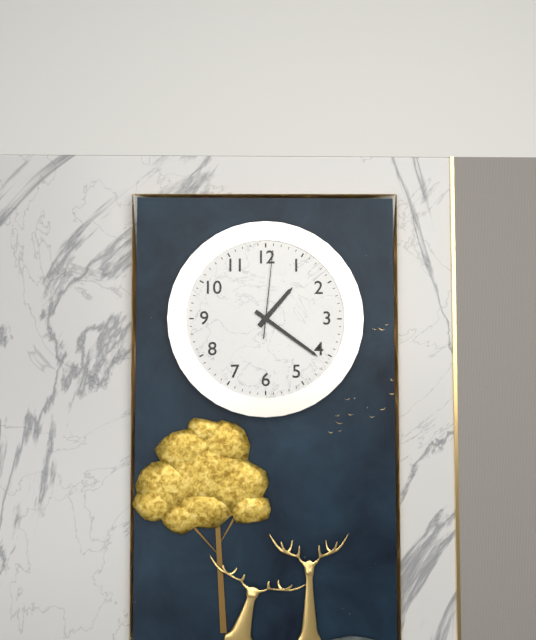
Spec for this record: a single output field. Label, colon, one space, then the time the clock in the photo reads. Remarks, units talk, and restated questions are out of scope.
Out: 1:21:01
